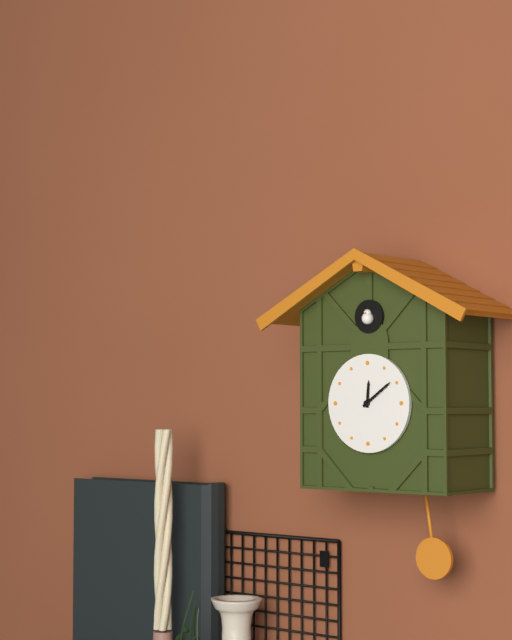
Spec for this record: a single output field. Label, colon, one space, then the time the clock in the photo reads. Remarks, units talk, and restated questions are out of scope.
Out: 12:09
